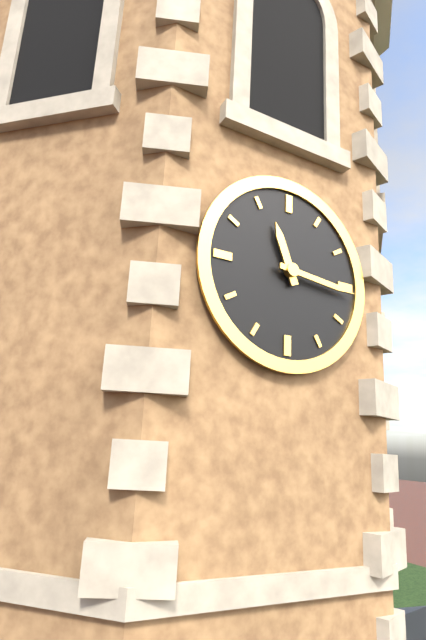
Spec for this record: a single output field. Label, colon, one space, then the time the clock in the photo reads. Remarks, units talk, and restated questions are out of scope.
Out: 11:16
